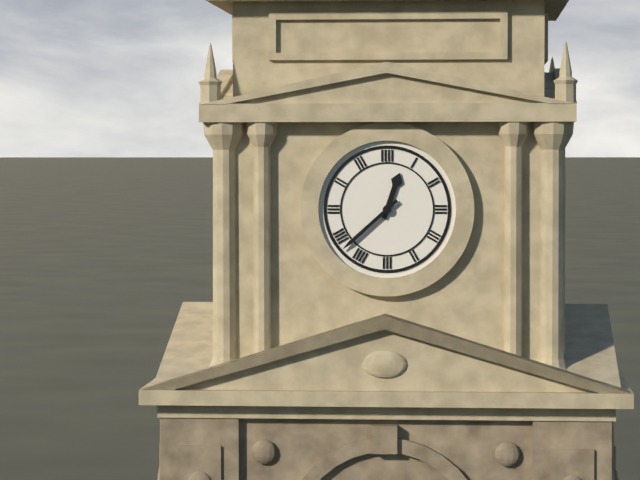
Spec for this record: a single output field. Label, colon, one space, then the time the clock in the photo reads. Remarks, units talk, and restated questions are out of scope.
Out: 12:38
